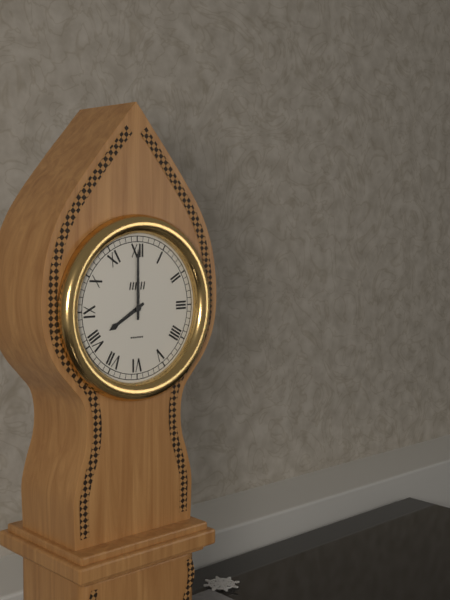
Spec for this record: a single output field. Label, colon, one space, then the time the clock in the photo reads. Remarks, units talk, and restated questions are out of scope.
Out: 8:00
